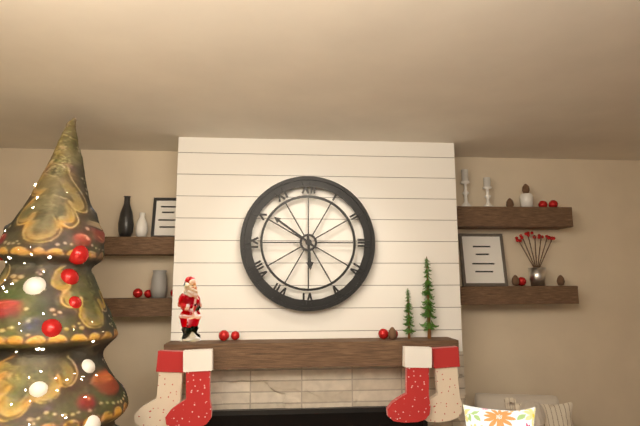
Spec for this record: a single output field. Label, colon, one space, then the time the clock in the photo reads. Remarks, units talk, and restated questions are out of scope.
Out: 5:51
